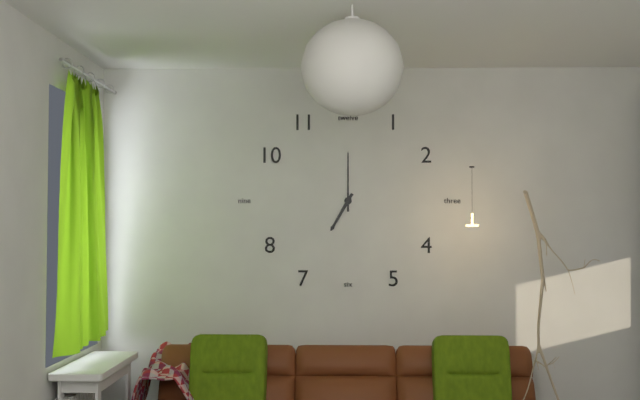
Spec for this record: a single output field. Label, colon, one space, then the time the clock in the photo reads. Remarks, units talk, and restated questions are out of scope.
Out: 7:00
